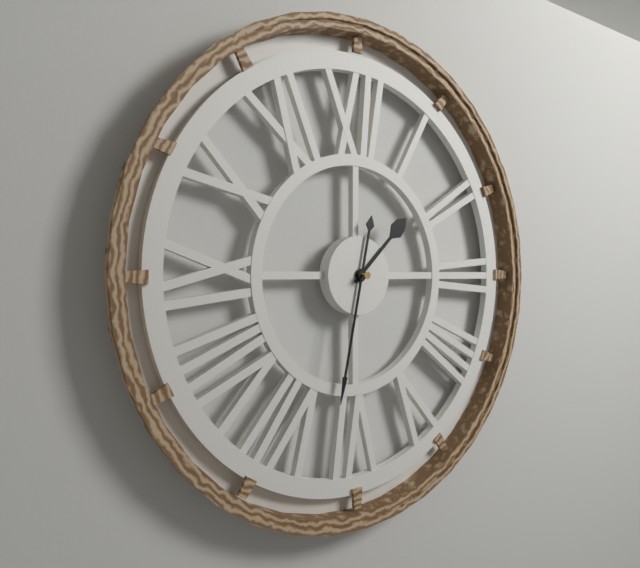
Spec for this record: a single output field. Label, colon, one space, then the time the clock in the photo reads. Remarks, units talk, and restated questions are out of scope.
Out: 1:32
